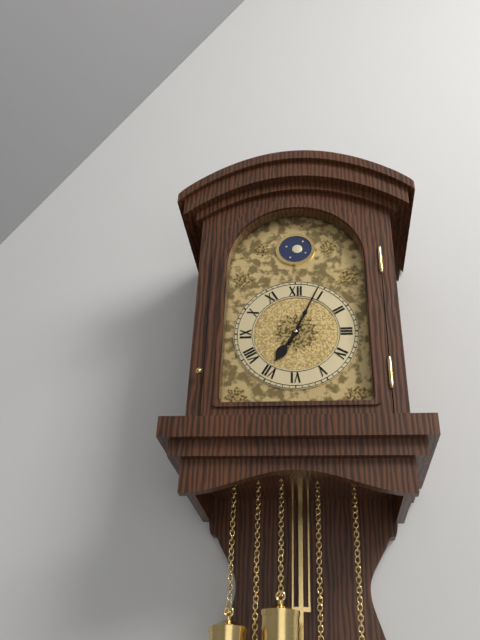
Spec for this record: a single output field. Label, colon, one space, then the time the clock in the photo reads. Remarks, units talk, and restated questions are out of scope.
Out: 7:04
